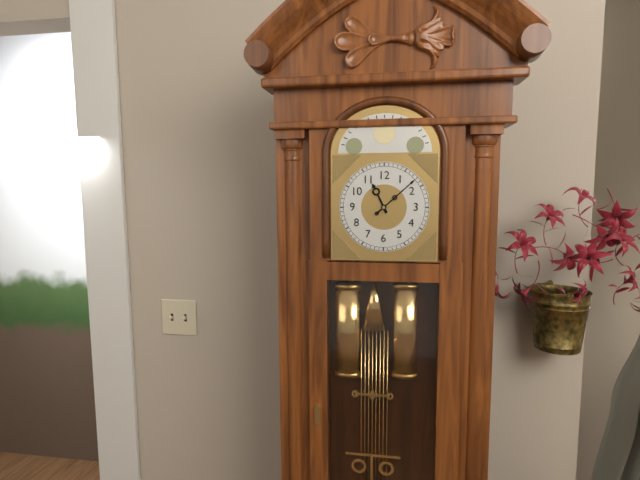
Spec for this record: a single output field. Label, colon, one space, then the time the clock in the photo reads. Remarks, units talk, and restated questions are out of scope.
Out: 11:08
